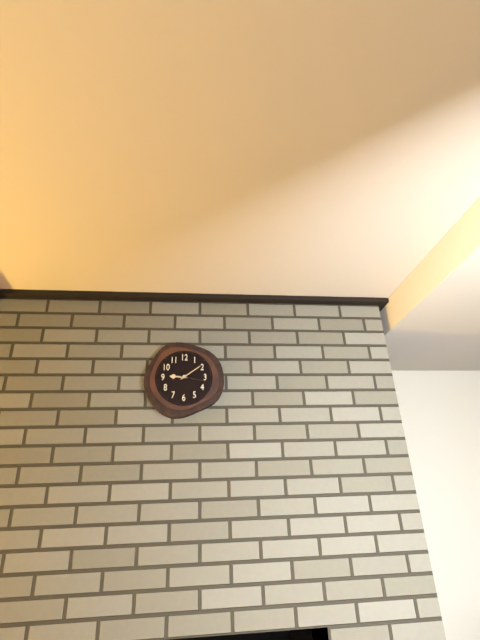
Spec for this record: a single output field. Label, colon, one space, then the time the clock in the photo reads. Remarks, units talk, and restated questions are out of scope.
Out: 9:09
